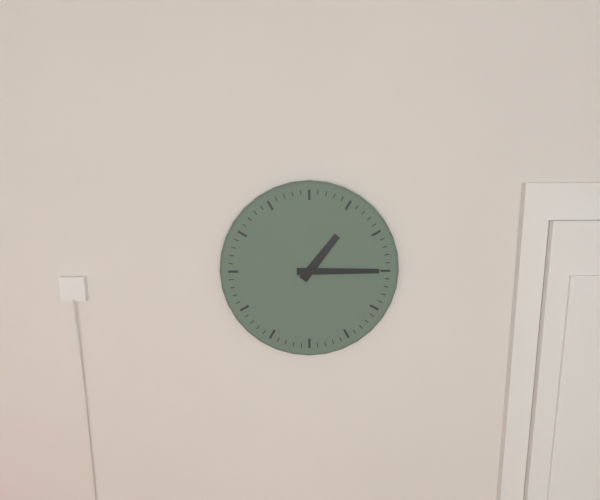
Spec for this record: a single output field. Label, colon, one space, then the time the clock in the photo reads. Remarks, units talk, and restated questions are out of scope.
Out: 1:15
